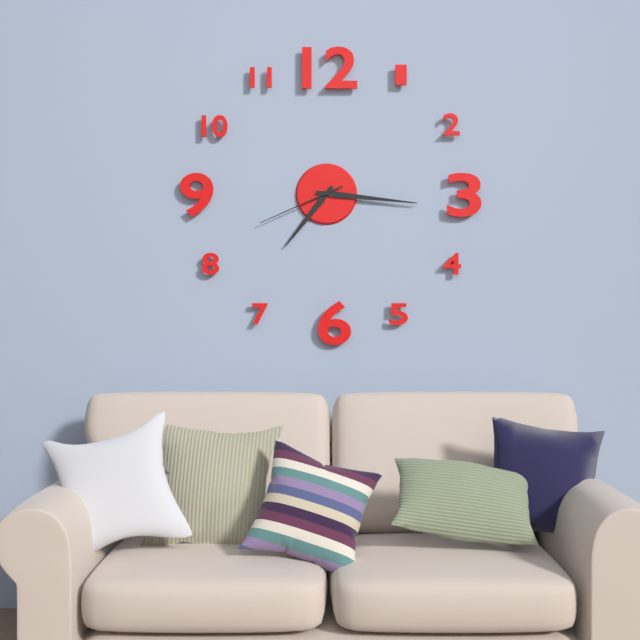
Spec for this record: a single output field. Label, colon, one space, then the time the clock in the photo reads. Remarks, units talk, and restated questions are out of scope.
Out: 7:16:41
